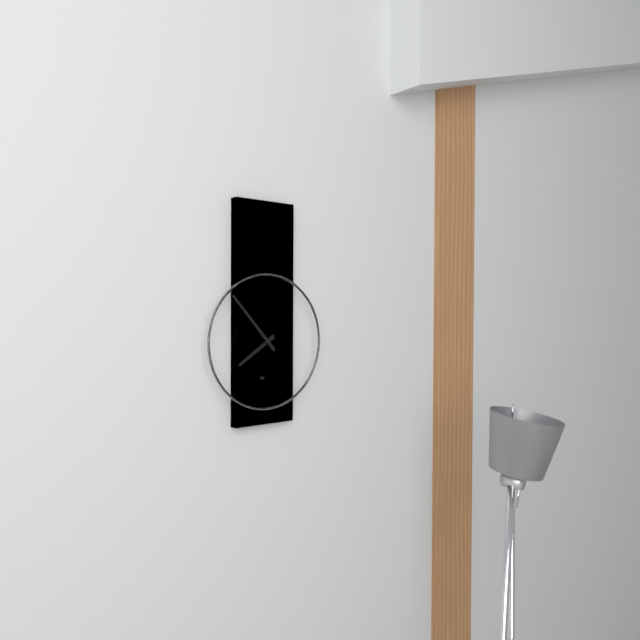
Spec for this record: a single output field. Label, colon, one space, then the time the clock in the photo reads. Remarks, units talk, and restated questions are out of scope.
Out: 7:53
